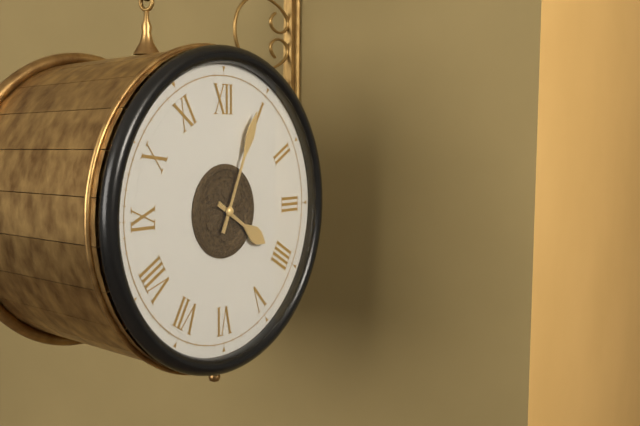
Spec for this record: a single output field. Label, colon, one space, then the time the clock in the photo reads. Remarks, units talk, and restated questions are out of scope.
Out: 4:04
